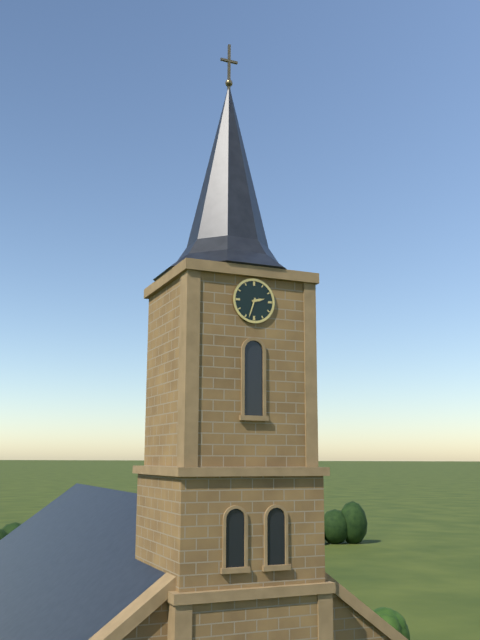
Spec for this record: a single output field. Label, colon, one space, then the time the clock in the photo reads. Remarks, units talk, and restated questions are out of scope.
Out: 2:33
